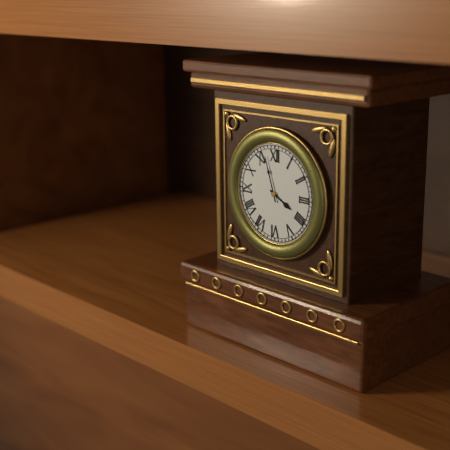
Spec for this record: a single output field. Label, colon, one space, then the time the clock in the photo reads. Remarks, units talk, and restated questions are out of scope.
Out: 3:57
